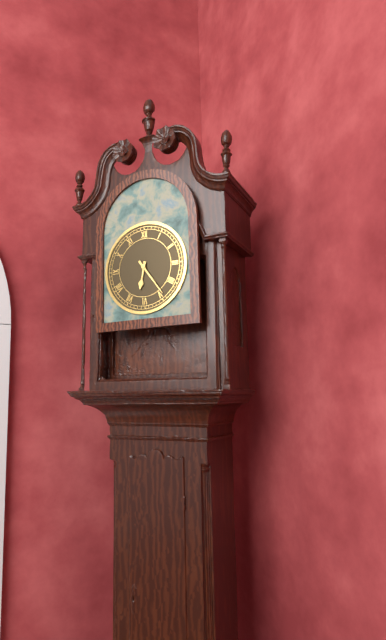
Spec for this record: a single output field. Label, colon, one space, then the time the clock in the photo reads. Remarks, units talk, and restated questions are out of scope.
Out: 6:24
